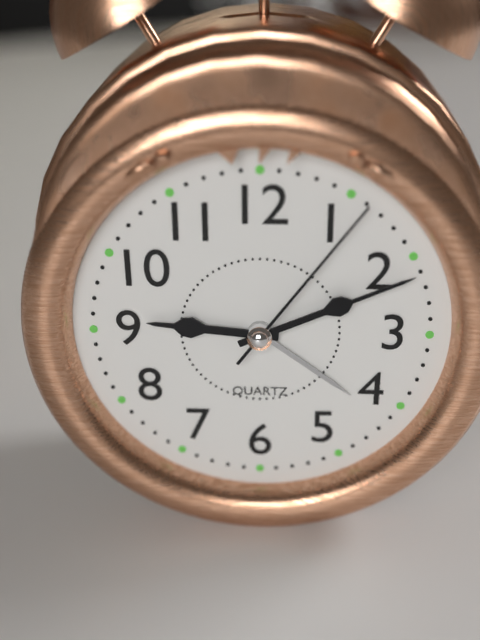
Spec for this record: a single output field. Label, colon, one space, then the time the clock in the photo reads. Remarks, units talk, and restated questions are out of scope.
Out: 9:11:06
